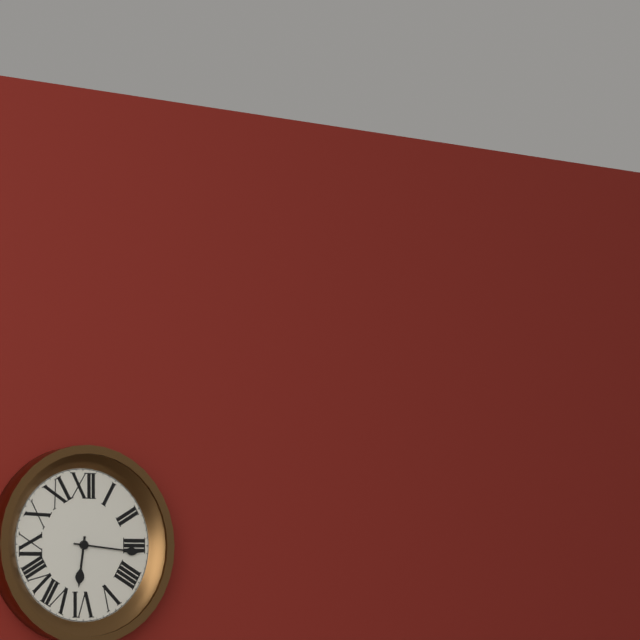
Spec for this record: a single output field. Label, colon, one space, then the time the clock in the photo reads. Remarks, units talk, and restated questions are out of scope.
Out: 6:16
